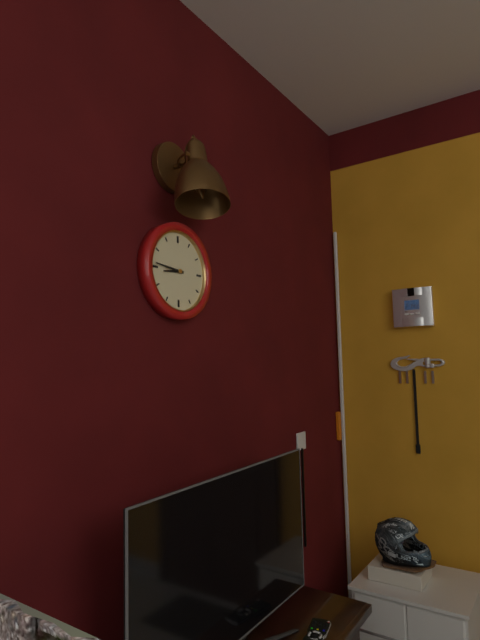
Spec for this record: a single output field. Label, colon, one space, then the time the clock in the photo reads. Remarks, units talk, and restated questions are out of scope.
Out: 8:46
